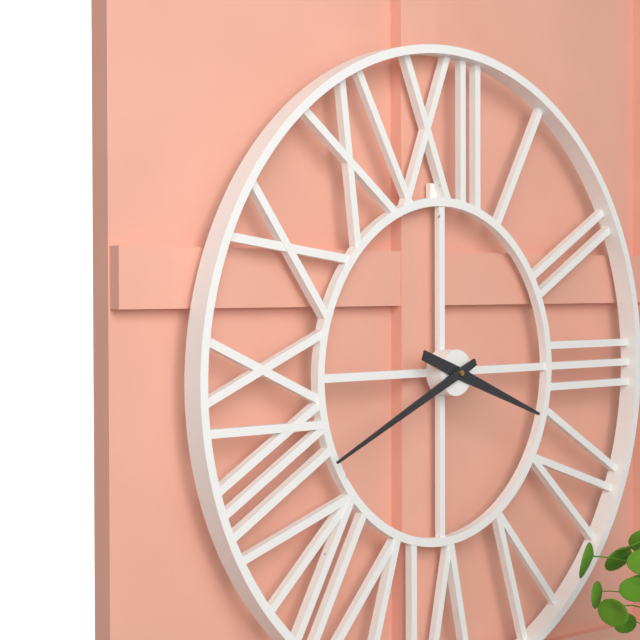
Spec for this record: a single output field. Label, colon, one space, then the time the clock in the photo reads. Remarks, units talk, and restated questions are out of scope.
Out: 3:41
